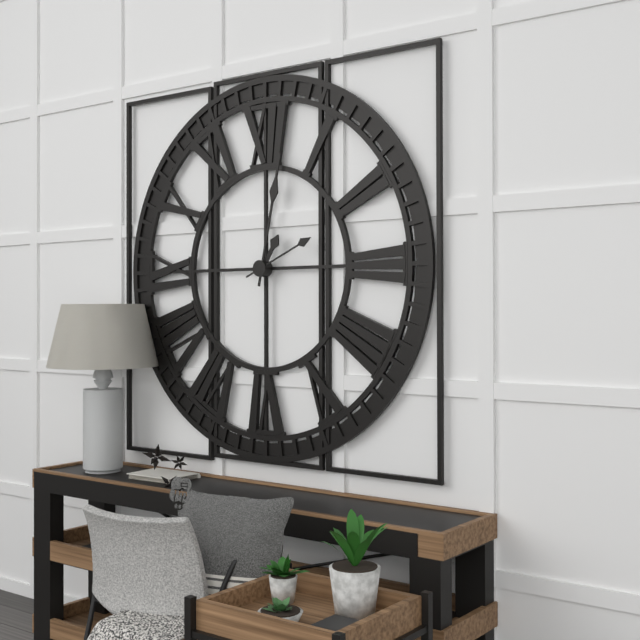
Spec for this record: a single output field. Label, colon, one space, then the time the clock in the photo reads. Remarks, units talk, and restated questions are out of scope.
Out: 1:02:11
